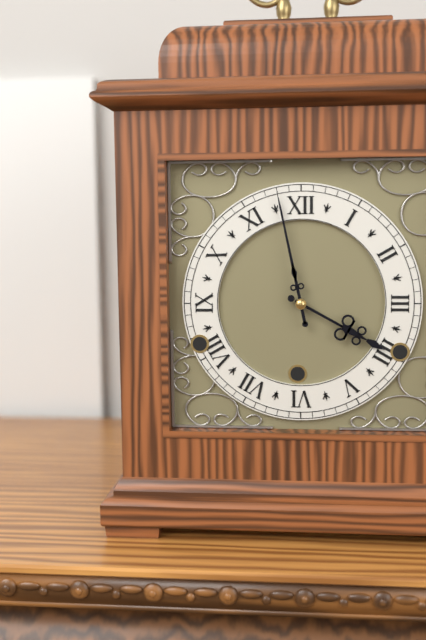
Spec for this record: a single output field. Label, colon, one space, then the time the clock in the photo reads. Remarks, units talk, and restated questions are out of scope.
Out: 3:58
